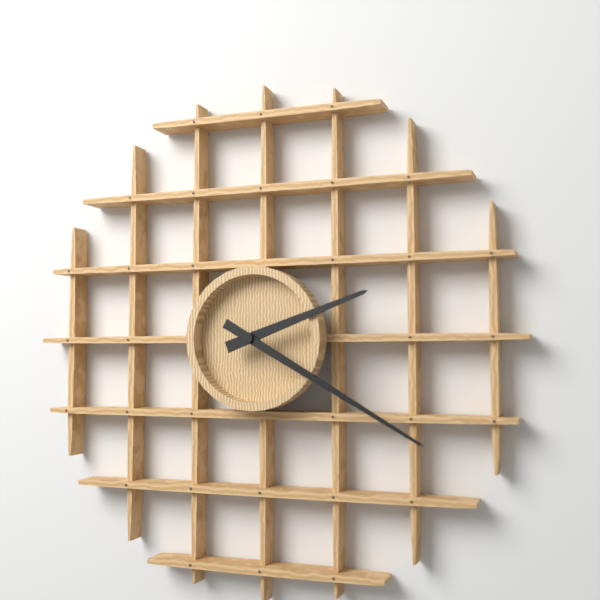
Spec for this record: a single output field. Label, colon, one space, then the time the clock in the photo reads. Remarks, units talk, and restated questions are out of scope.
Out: 2:20
